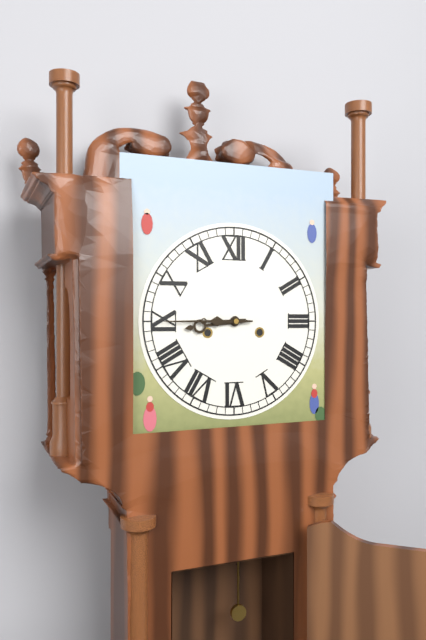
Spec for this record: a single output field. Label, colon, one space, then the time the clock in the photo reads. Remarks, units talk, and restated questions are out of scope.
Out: 8:45
